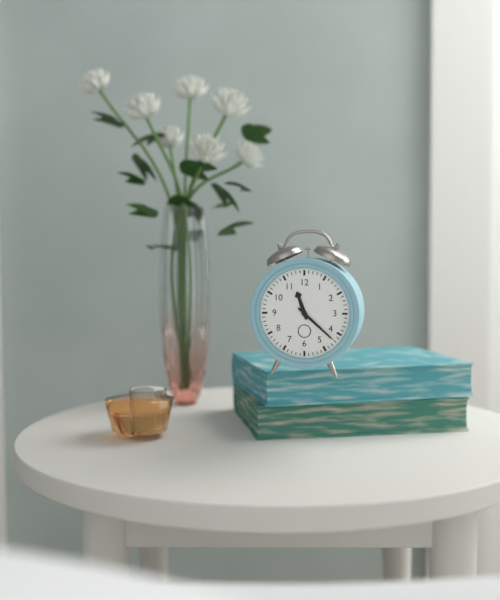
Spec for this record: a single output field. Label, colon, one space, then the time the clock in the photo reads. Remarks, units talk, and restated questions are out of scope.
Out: 11:22
